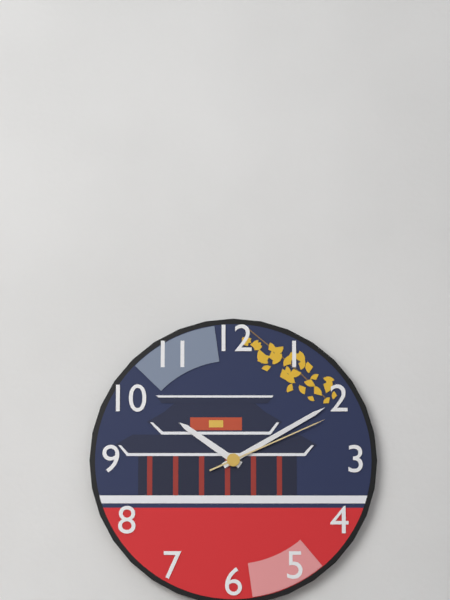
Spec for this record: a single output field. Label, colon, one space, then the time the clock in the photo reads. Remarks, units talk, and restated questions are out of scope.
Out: 10:10:11
